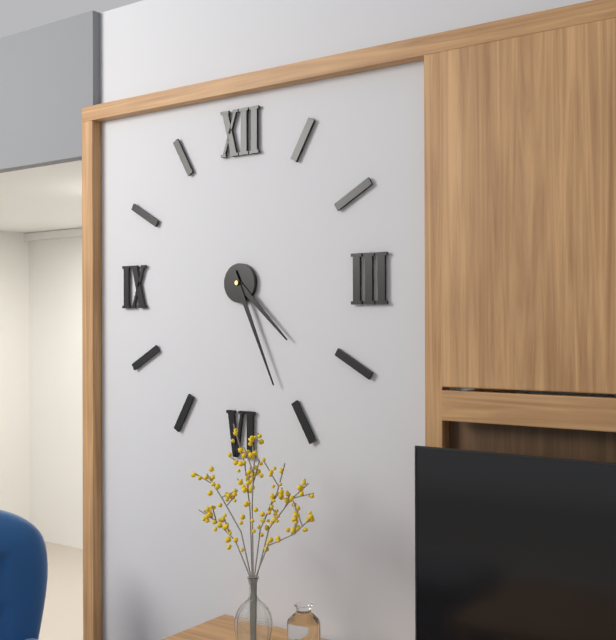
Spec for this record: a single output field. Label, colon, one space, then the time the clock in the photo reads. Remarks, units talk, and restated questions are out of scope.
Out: 4:26
